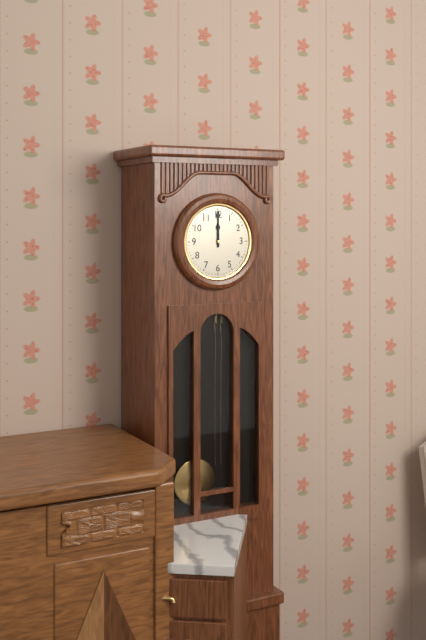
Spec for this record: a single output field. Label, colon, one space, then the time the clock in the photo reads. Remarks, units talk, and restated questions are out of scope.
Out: 12:00
